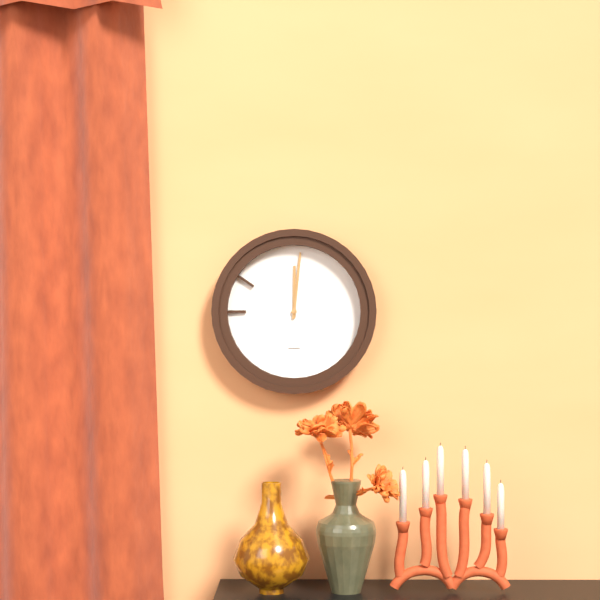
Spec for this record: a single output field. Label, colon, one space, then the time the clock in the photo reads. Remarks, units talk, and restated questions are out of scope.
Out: 12:01
